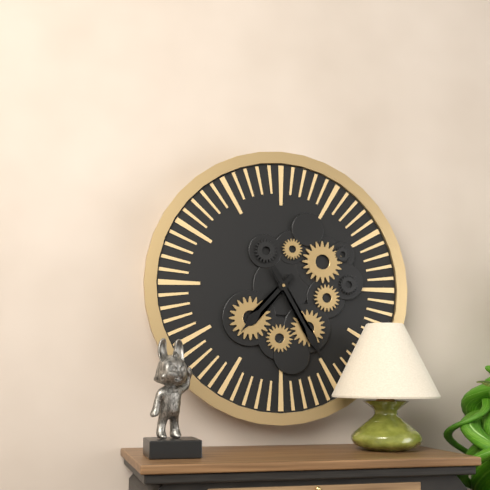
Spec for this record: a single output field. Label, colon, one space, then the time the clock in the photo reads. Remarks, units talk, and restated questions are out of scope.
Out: 7:25
